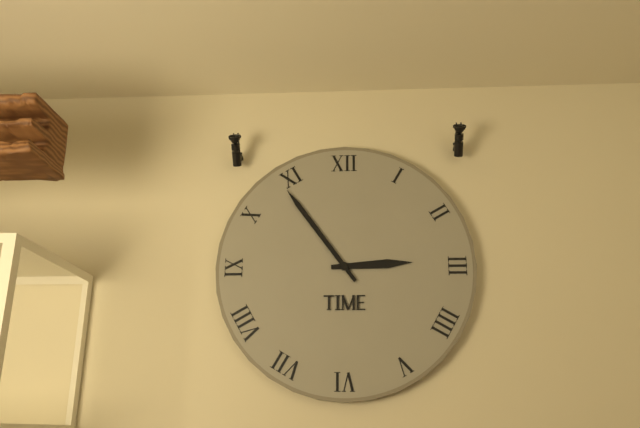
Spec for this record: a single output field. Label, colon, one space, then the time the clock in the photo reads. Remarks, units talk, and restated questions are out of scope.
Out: 2:54
